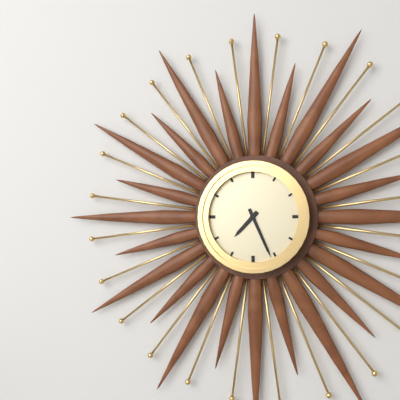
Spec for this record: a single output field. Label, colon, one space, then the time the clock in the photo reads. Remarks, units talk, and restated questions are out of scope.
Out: 7:26
